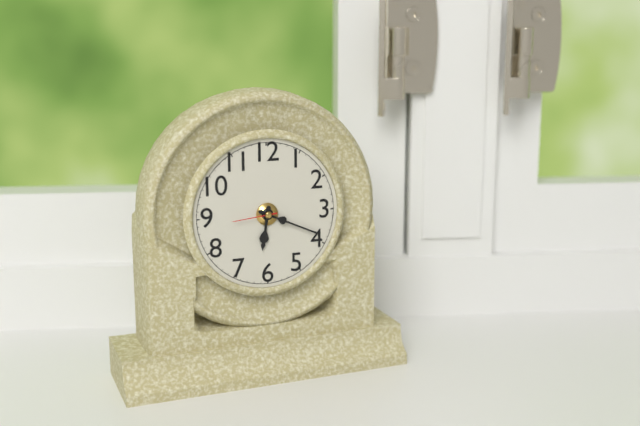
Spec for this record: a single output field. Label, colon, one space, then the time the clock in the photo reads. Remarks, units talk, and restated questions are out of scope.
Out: 6:19
